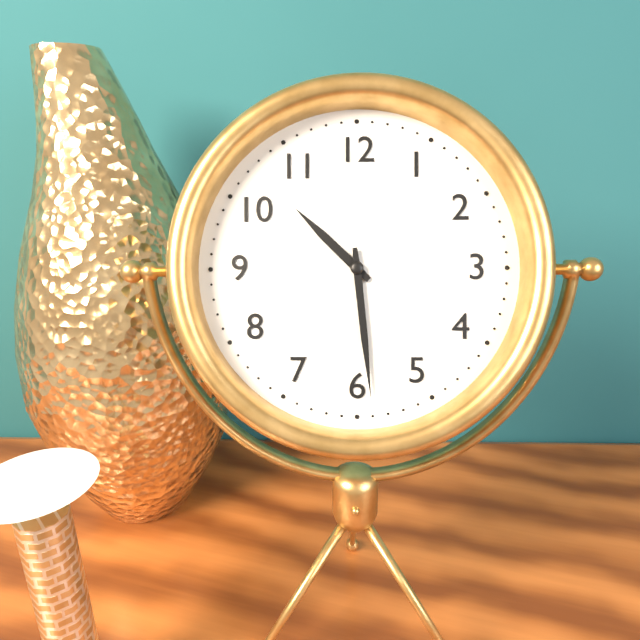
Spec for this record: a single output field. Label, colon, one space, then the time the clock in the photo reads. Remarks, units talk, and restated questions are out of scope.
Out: 10:29
